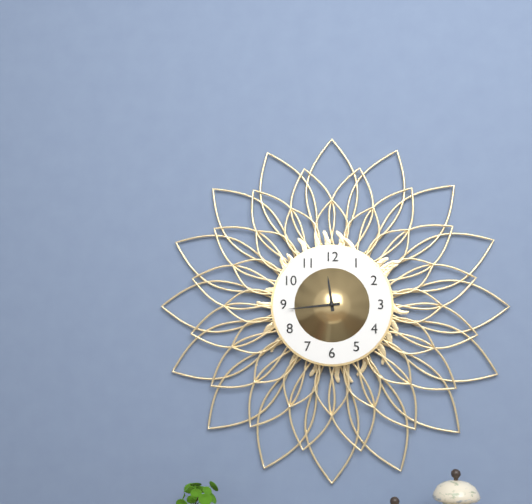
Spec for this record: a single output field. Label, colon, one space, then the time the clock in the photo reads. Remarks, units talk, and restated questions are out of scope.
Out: 11:44
